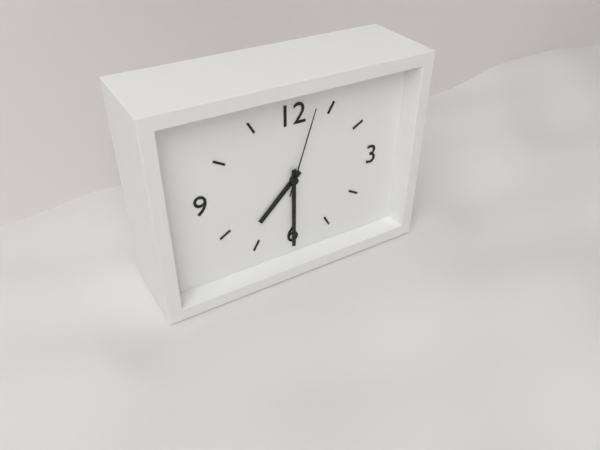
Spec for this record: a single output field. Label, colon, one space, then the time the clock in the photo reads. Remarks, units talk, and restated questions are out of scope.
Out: 7:30:03
